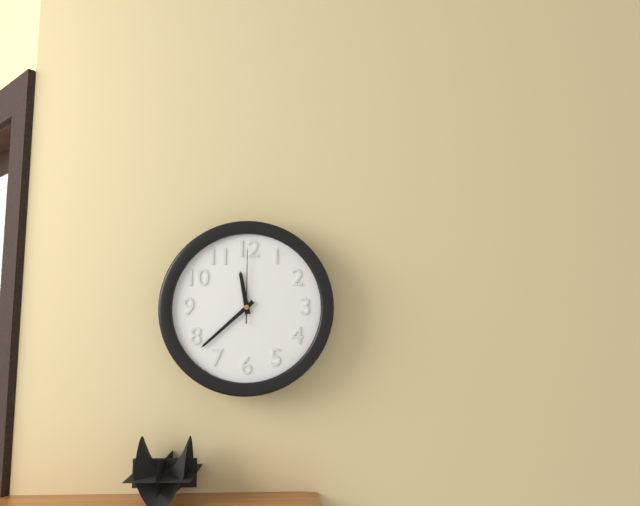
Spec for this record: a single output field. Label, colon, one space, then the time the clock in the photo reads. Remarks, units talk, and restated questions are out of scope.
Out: 11:38:00
